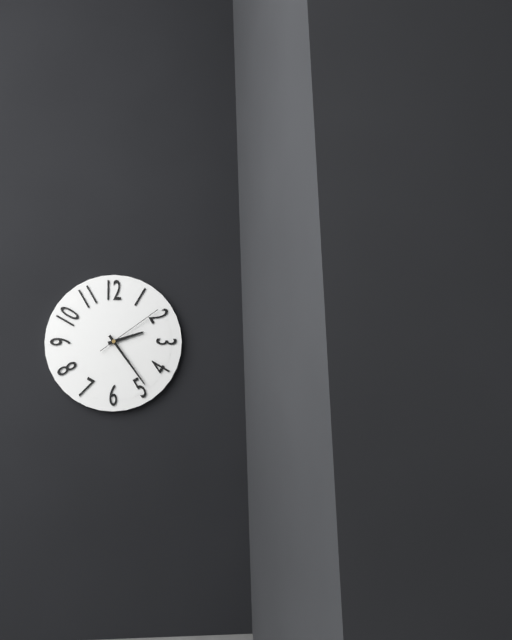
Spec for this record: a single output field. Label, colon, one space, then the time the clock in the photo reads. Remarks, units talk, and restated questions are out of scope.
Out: 2:24:09
